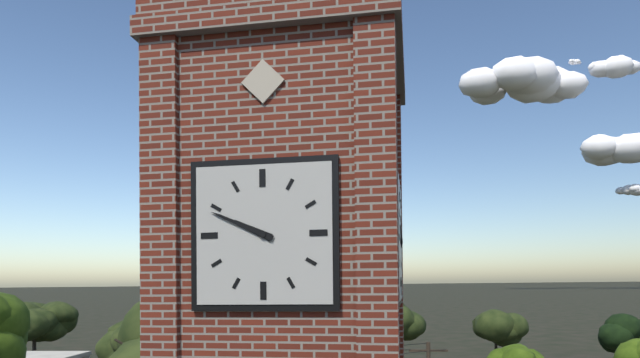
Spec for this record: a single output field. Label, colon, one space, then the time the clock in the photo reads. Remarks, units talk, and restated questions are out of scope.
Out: 9:49
